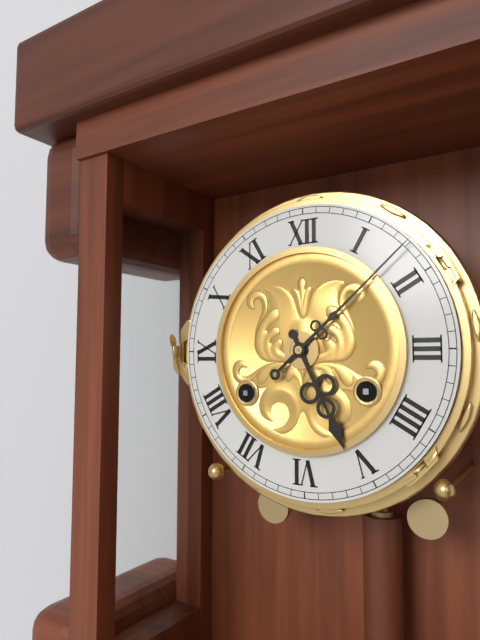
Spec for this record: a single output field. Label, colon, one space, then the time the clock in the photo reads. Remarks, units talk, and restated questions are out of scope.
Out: 5:08
